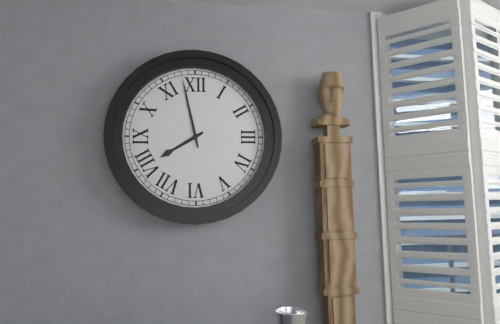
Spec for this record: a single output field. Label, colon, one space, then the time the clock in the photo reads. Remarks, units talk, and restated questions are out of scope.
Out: 7:58
